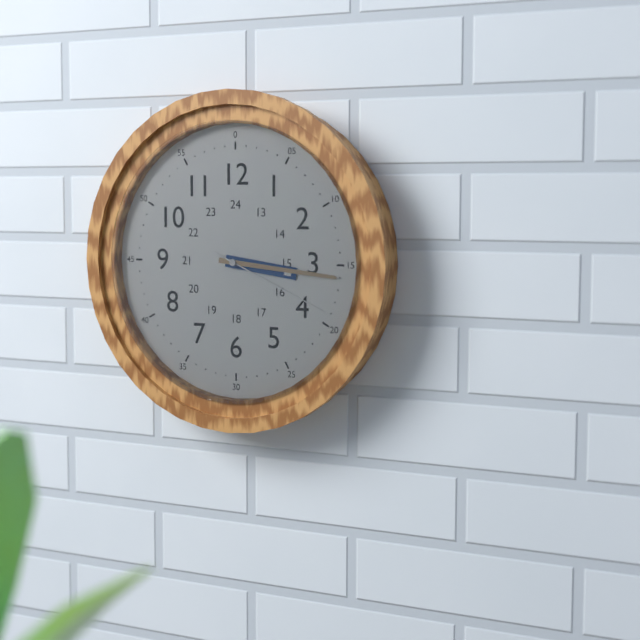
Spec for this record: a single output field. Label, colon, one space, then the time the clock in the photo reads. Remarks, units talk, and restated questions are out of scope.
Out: 3:16:19
